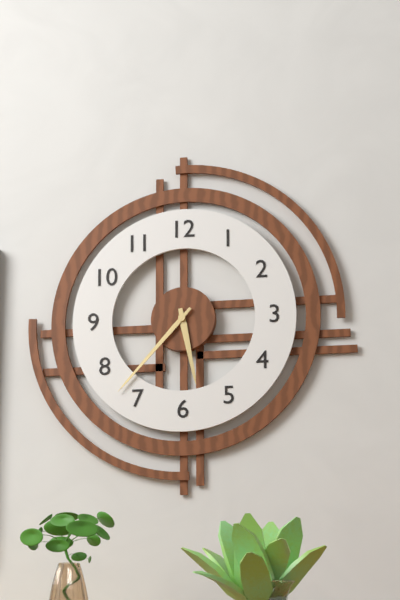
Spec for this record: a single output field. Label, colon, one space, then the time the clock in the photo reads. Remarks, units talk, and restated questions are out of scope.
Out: 5:37
